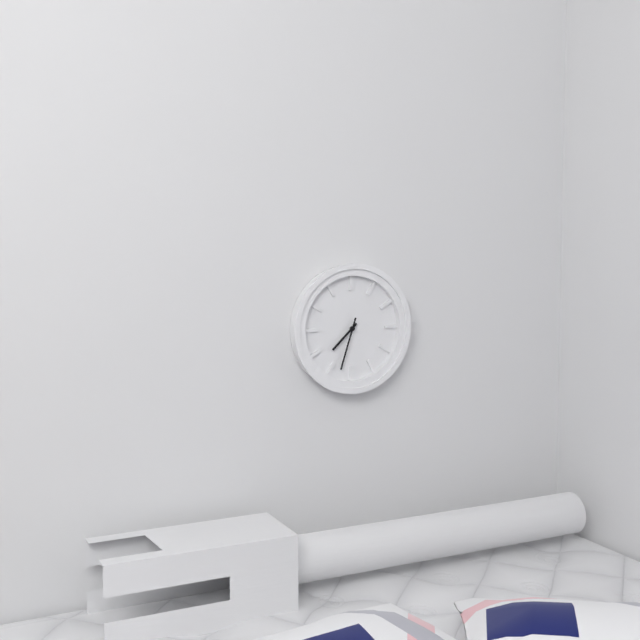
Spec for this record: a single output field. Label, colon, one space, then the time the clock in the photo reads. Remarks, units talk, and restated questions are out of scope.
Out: 7:33
